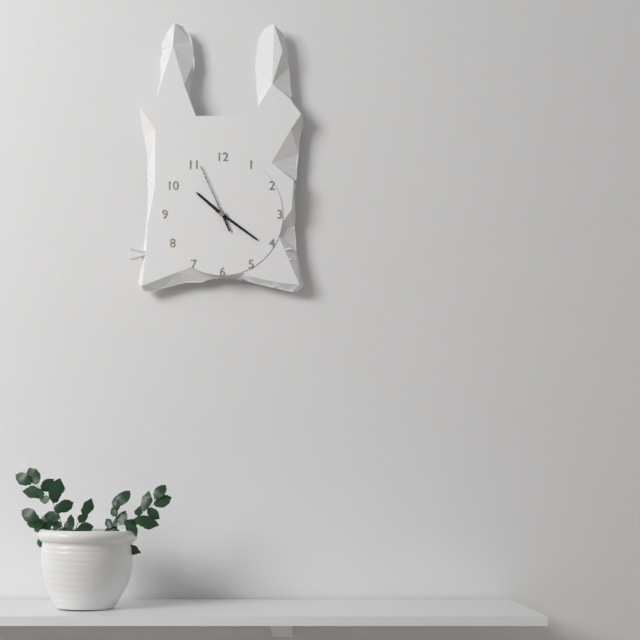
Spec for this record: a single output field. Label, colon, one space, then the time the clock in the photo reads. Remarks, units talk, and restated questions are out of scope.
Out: 10:21:56
